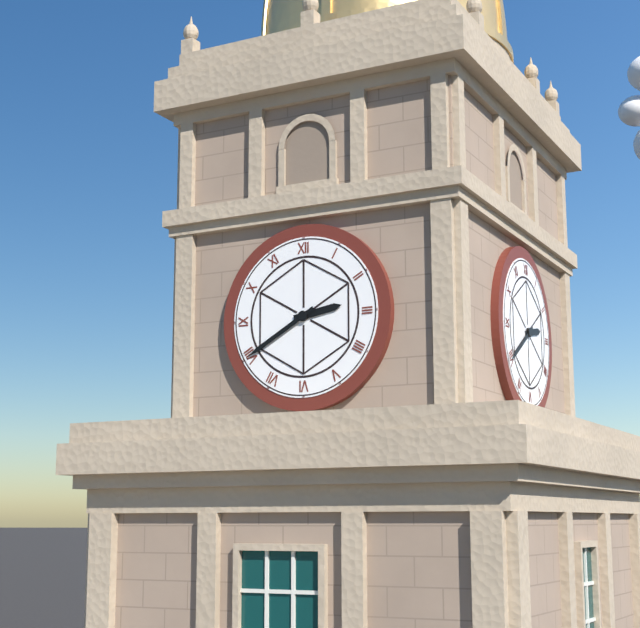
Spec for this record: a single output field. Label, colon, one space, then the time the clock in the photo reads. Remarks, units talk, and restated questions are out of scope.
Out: 2:40
